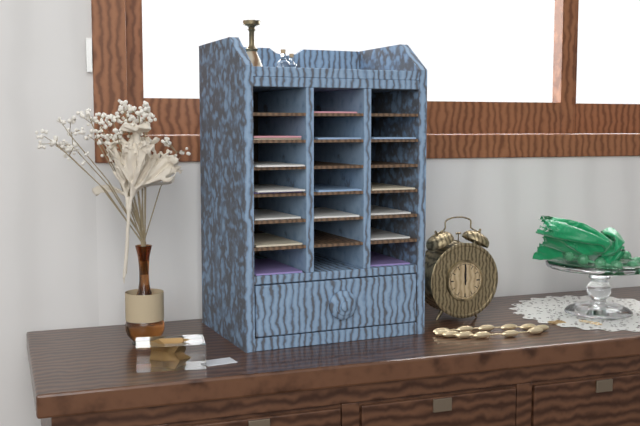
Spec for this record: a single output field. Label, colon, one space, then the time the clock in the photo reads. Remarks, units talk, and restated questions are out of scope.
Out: 12:00
